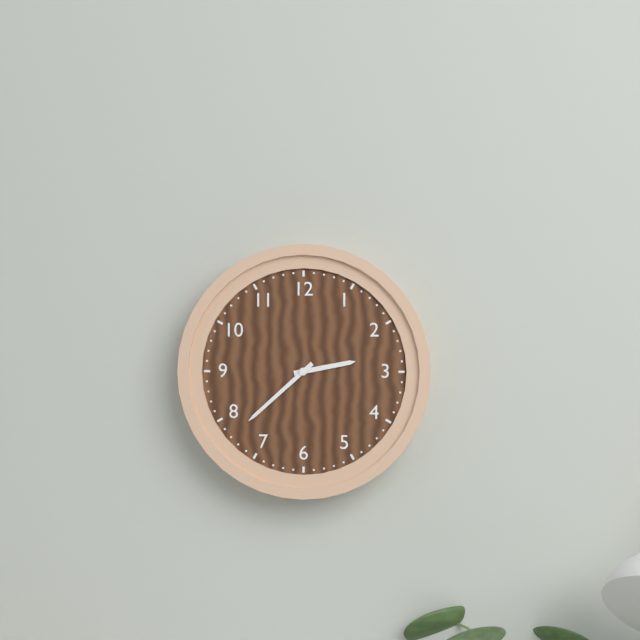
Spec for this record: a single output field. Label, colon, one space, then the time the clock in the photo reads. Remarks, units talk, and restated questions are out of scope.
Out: 2:38
